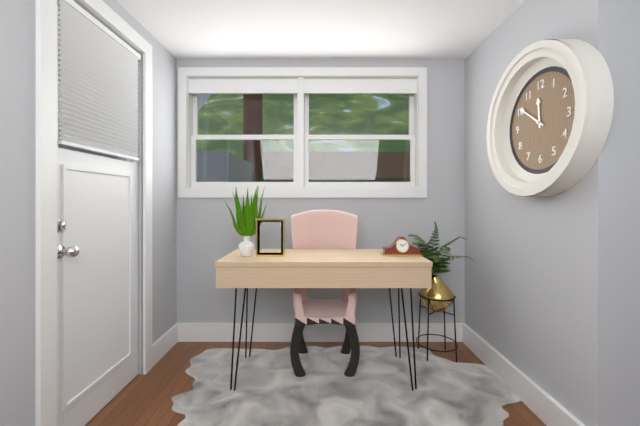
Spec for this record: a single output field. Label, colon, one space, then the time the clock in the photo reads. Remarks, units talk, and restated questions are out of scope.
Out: 11:51
